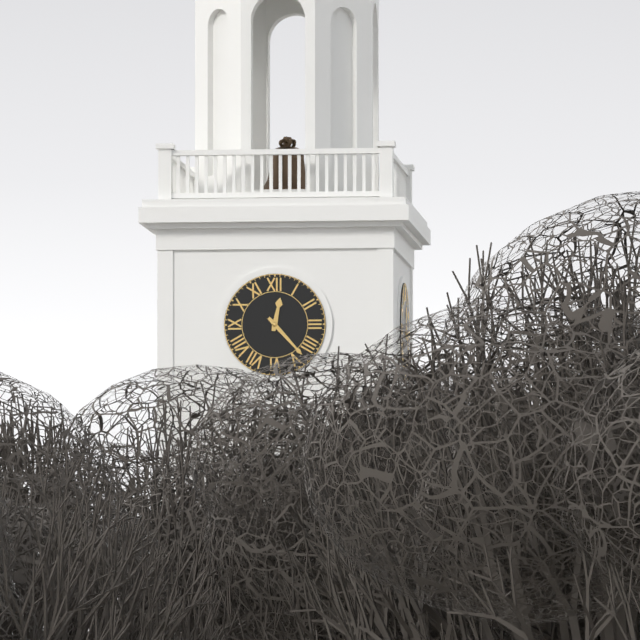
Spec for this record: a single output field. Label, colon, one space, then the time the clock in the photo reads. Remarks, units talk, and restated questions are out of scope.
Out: 12:23
